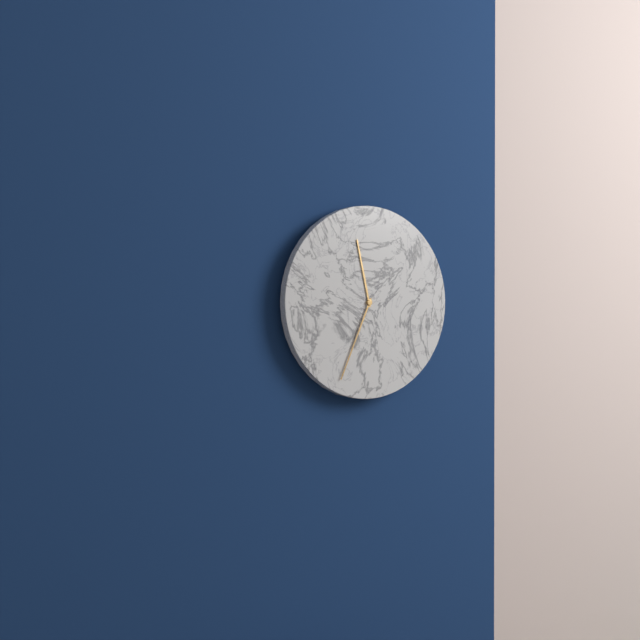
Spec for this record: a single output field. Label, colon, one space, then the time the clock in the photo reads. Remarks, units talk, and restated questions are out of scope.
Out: 11:34
